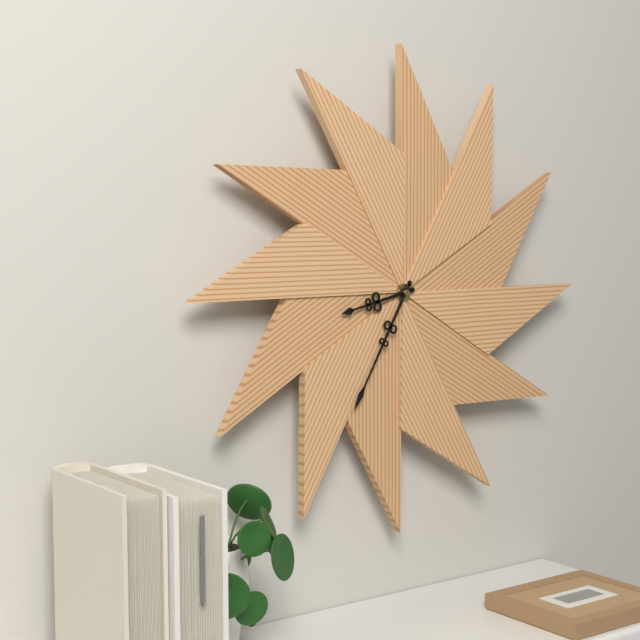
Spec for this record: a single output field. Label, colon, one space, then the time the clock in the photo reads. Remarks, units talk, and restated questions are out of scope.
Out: 8:35
